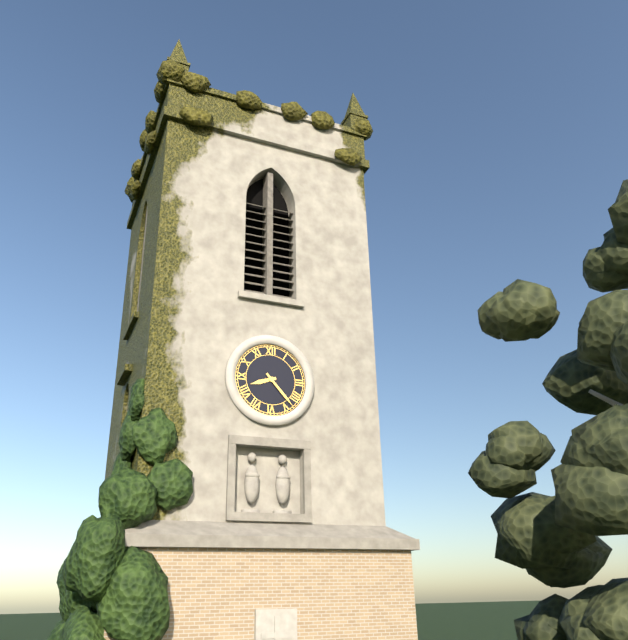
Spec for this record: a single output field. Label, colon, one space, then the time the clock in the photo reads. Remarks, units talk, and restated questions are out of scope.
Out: 8:23
